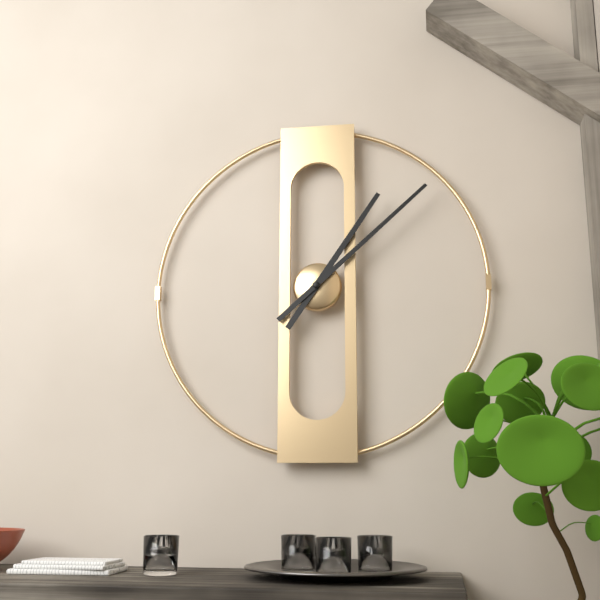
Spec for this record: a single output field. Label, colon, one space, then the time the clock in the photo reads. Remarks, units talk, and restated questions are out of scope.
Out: 1:08
